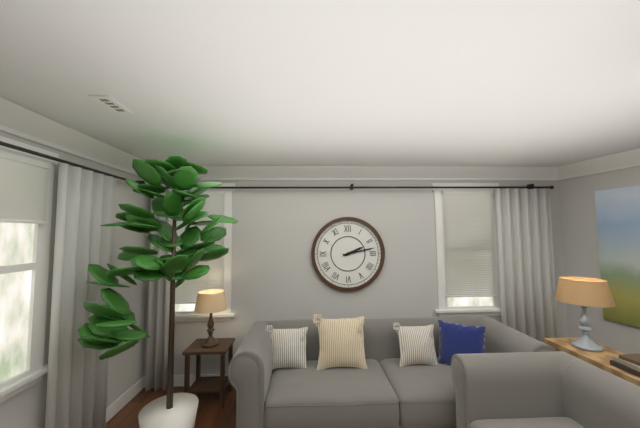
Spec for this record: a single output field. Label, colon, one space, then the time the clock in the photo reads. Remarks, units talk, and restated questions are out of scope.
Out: 2:13
